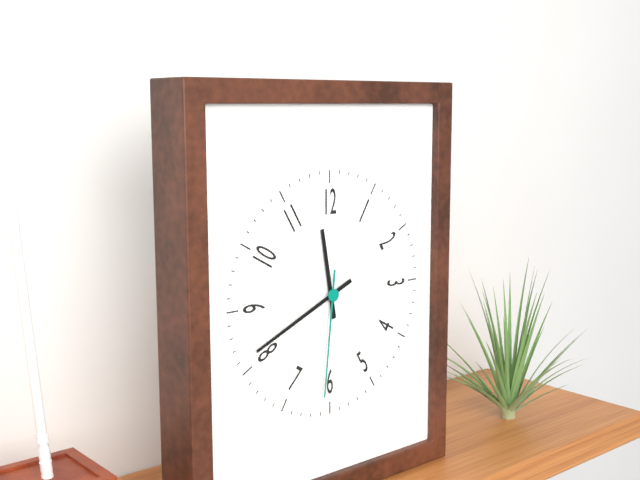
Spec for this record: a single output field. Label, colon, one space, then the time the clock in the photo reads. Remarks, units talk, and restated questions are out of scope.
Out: 11:41:31
